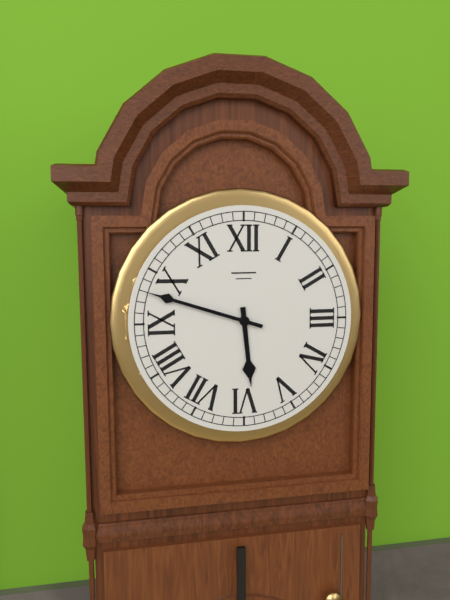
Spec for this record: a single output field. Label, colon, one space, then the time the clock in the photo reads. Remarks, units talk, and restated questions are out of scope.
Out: 5:48
